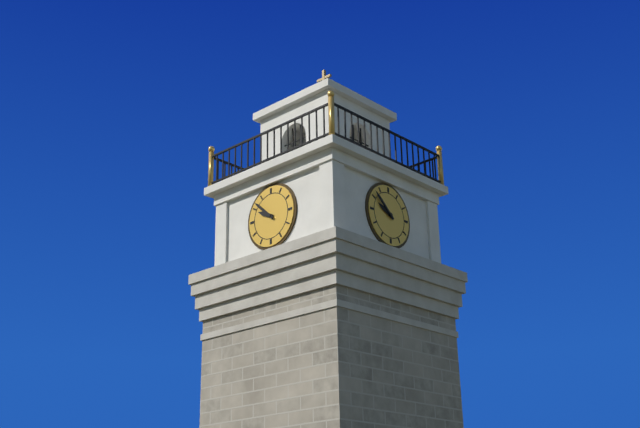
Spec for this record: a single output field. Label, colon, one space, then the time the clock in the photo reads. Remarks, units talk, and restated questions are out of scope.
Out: 9:52
